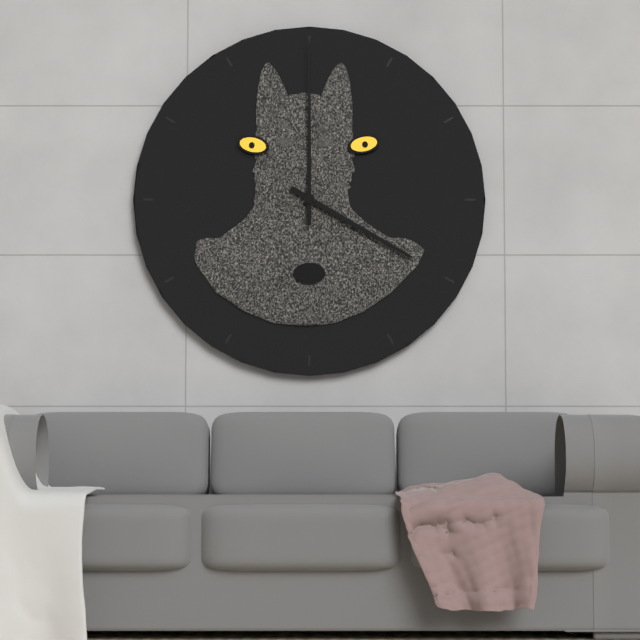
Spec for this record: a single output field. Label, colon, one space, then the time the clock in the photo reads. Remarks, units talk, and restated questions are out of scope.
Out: 4:00
